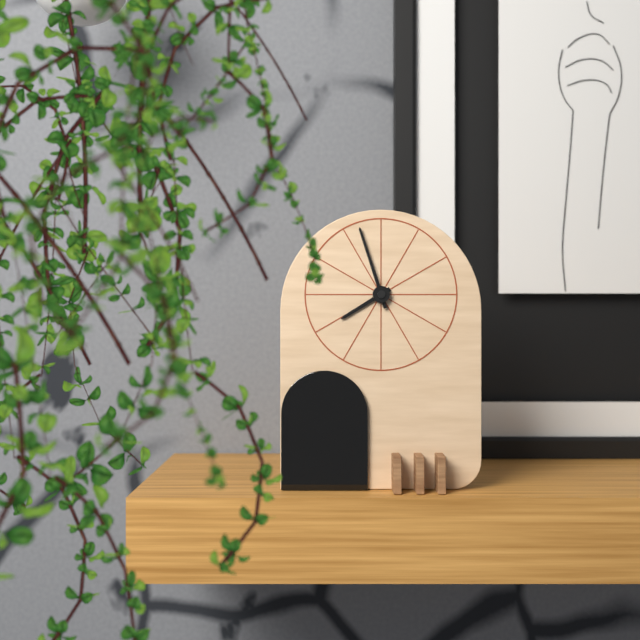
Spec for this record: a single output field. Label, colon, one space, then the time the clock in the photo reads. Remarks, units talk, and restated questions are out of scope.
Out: 7:57
